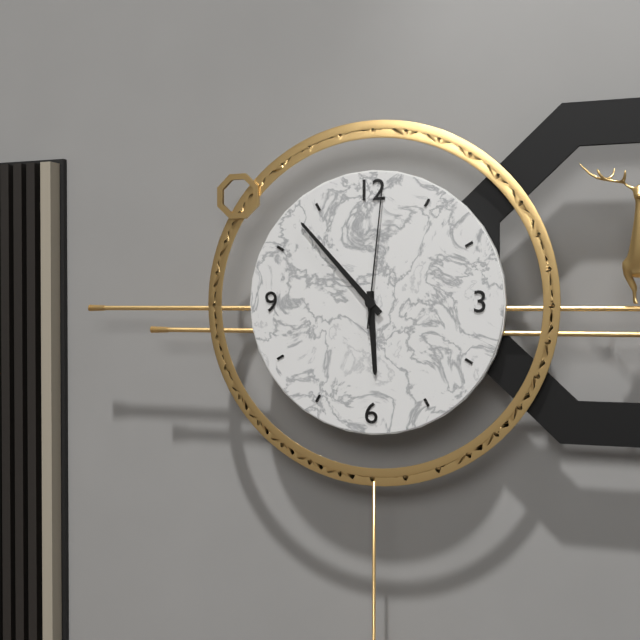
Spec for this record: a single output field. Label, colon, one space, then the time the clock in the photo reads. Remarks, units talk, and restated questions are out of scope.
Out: 5:53:01
